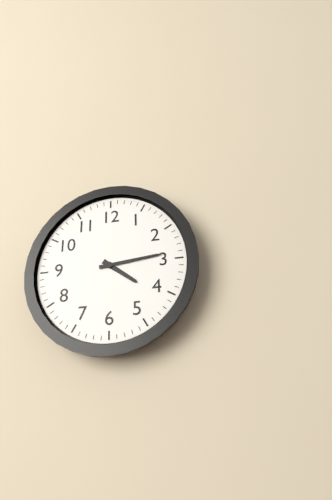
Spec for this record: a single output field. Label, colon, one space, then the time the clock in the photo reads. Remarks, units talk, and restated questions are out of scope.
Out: 4:14
